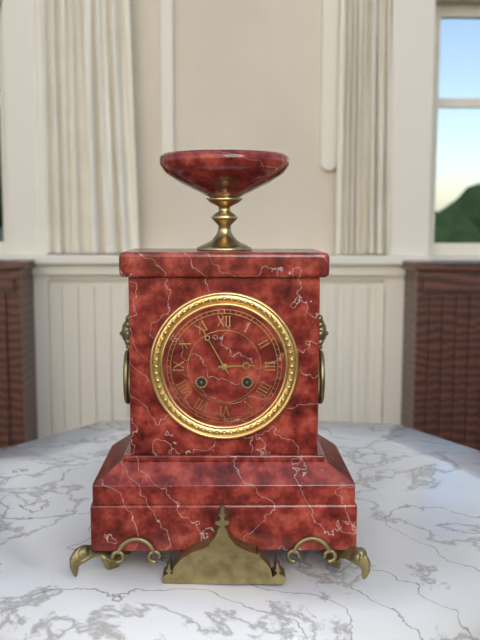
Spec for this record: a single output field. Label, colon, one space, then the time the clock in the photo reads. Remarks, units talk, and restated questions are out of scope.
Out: 2:55
